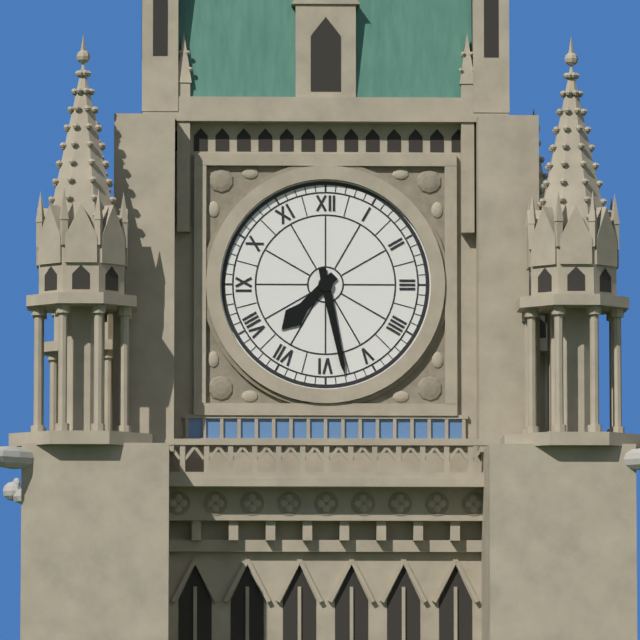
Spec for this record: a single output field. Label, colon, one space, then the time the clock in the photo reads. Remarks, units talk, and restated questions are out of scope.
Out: 7:28
